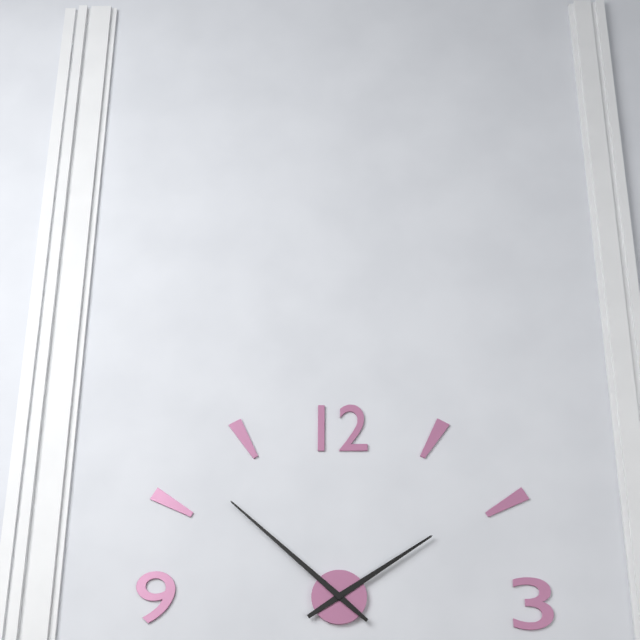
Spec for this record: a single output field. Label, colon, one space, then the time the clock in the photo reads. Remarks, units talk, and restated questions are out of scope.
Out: 1:52
